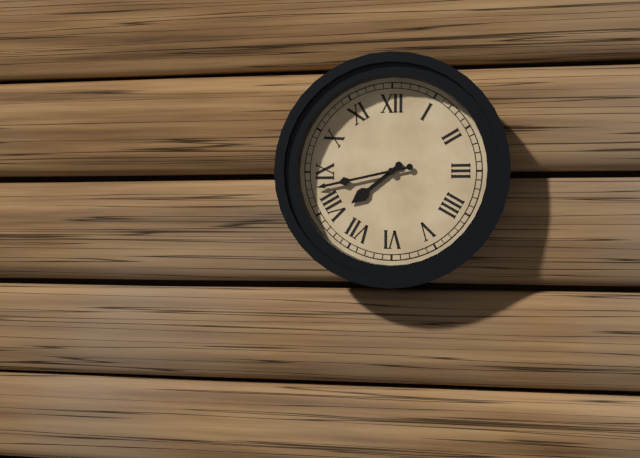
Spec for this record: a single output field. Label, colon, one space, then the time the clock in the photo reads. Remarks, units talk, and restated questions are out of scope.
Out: 7:43
